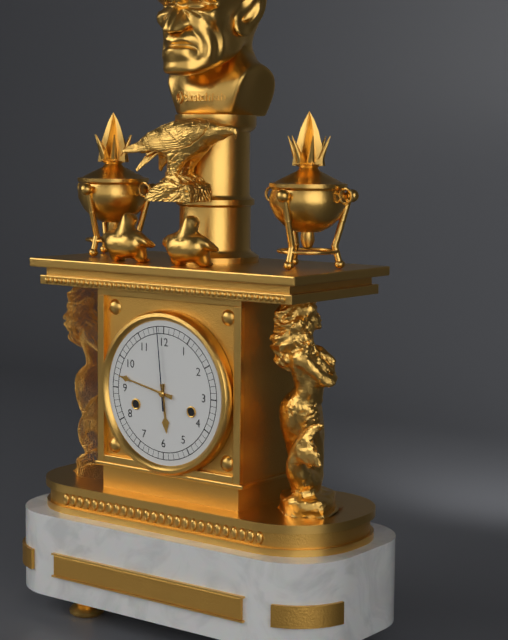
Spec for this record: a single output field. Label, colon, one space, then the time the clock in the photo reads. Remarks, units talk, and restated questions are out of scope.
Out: 5:47:59
